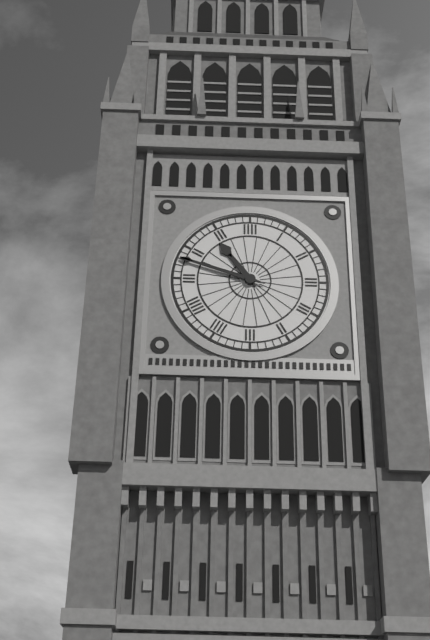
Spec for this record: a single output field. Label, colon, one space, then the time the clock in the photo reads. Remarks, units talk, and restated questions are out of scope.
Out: 10:48
